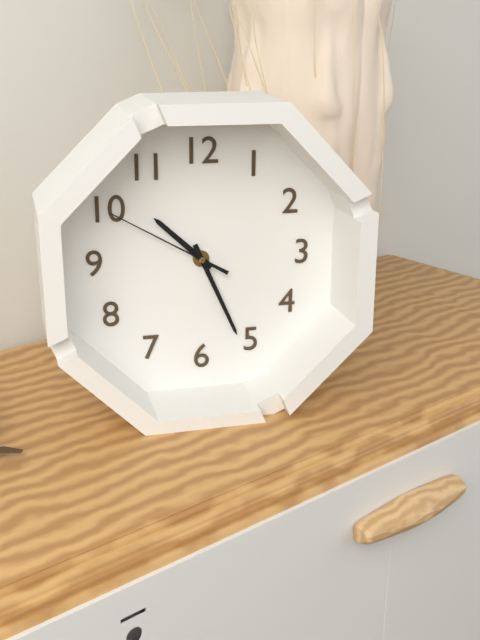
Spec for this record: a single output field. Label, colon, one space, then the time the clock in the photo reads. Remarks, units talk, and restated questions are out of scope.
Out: 10:26:50
